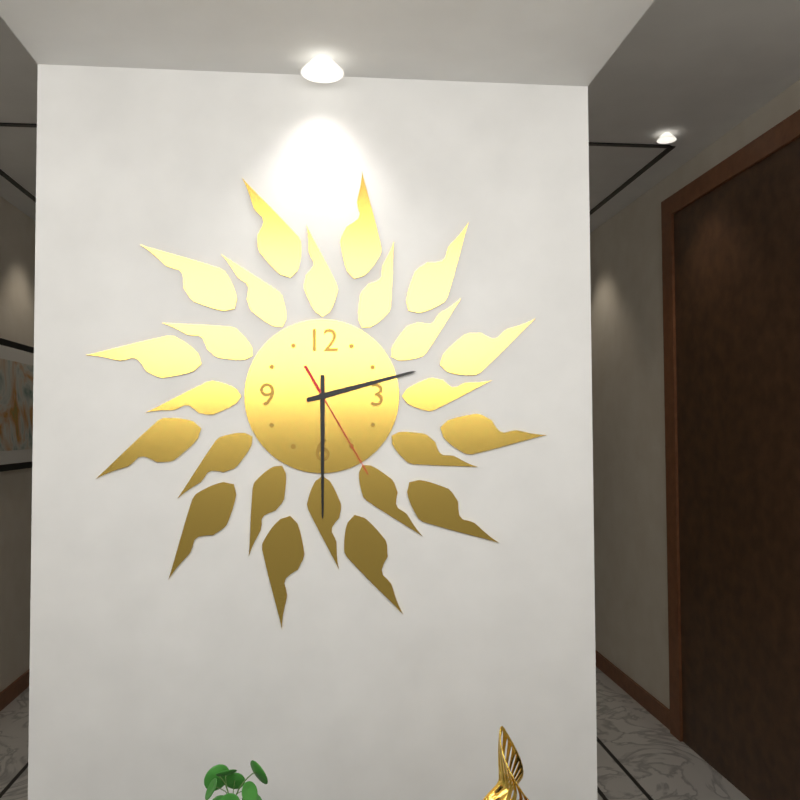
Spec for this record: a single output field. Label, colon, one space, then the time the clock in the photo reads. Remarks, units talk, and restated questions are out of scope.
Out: 2:30:25
